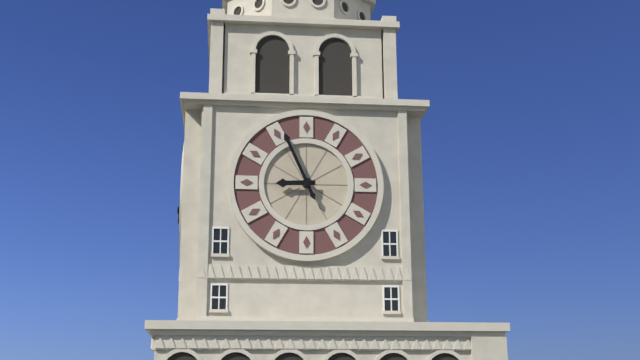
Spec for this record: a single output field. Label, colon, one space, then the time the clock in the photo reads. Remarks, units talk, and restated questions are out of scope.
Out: 8:56
